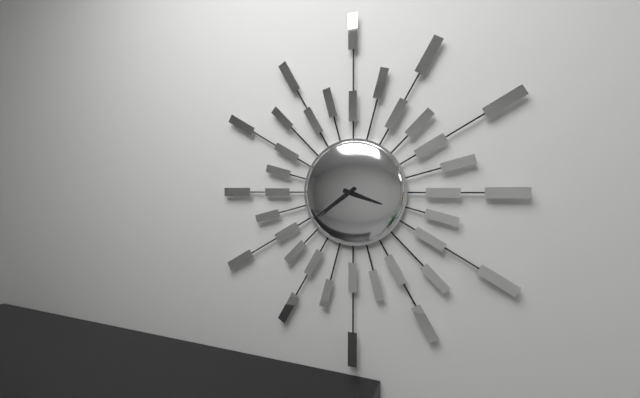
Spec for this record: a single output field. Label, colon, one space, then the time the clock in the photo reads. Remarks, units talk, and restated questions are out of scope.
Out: 3:39
